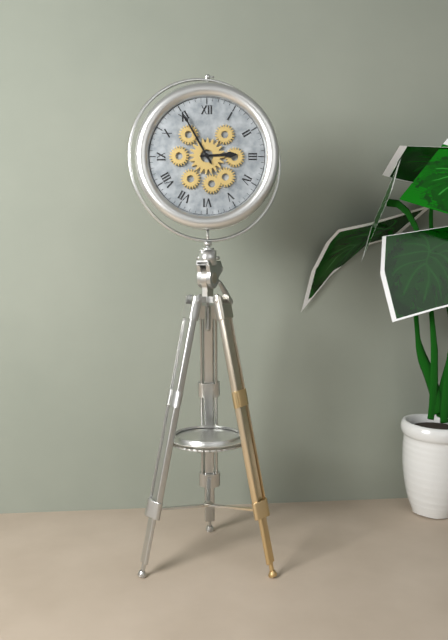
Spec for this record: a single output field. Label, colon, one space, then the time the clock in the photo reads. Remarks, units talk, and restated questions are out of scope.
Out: 2:55
